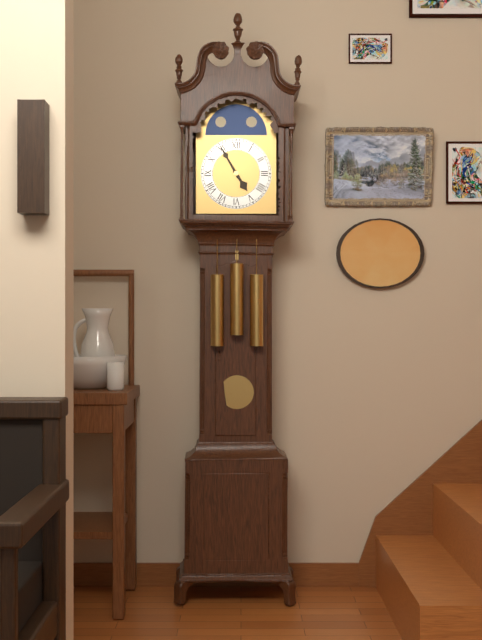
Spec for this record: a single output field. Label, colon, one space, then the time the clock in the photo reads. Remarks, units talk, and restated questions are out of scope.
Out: 4:55
